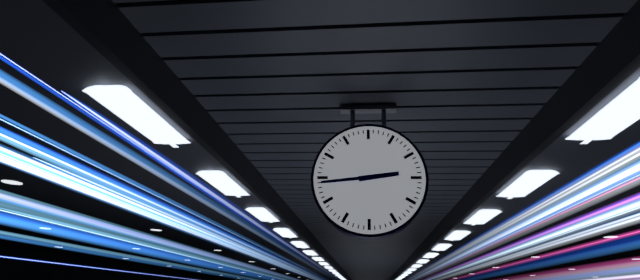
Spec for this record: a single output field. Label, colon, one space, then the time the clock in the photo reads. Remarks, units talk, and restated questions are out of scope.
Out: 2:44
